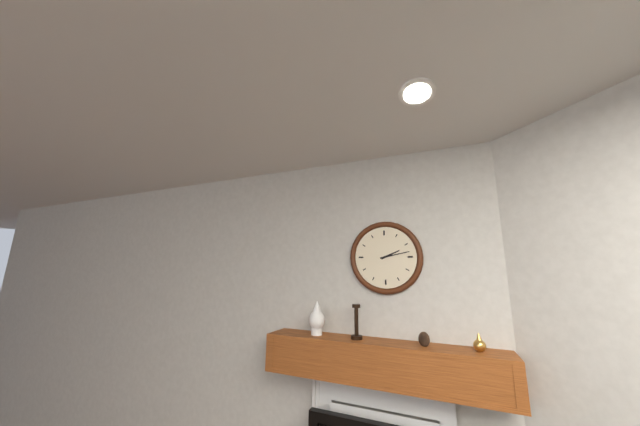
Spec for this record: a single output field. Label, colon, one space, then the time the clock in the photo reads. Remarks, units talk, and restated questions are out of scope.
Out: 2:13
